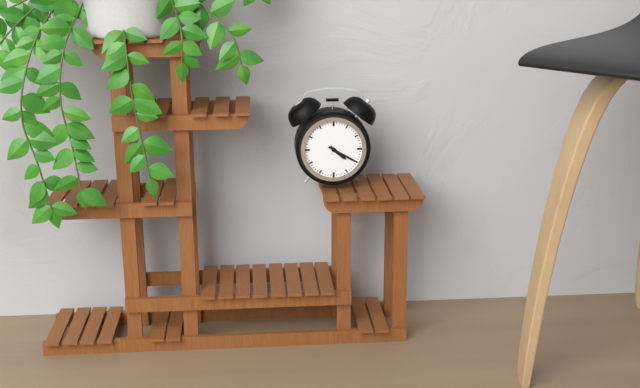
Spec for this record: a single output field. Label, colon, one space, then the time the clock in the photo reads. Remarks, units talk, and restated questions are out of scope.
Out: 4:20
